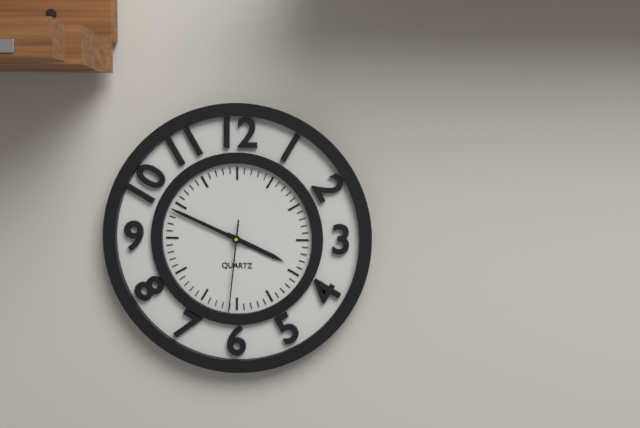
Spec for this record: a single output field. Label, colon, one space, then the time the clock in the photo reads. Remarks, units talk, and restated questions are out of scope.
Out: 3:49:31
